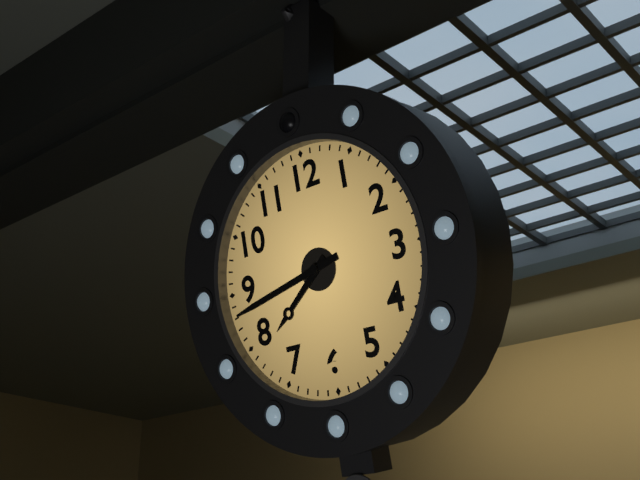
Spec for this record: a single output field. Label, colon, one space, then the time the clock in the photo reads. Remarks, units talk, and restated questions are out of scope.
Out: 7:43
